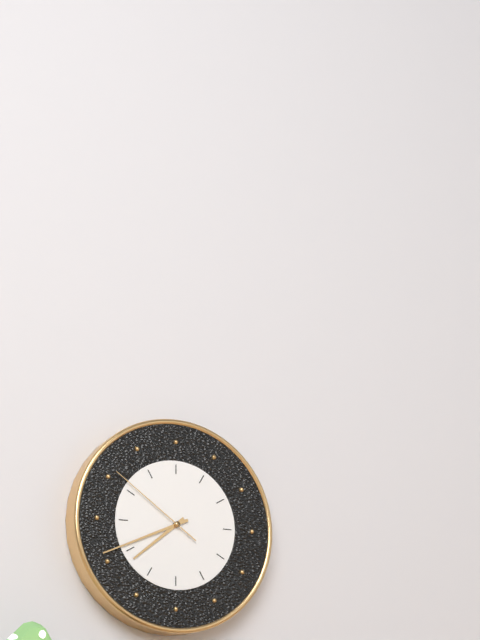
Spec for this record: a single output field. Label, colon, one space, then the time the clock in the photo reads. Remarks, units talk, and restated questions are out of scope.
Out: 7:41:51
